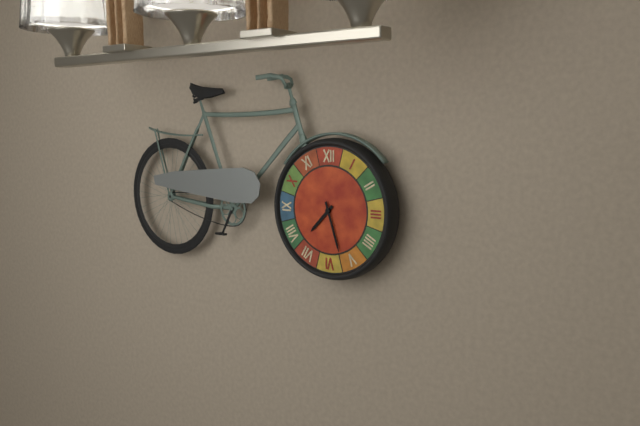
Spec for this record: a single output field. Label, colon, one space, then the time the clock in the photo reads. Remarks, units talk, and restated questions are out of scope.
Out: 7:27
